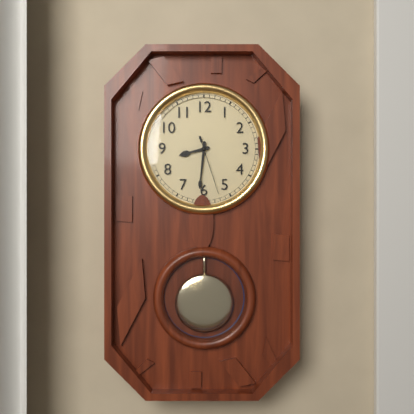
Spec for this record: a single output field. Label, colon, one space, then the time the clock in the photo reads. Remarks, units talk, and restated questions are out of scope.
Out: 8:31:27
